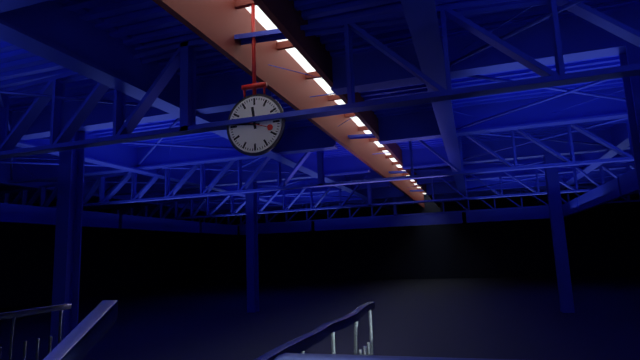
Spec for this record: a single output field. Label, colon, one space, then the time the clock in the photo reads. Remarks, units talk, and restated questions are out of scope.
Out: 11:46
